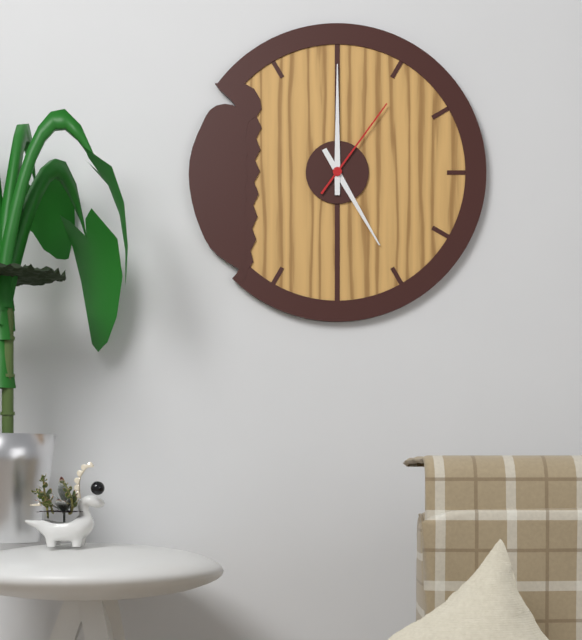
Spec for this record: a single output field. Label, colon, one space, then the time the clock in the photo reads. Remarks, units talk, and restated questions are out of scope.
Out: 5:00:06
